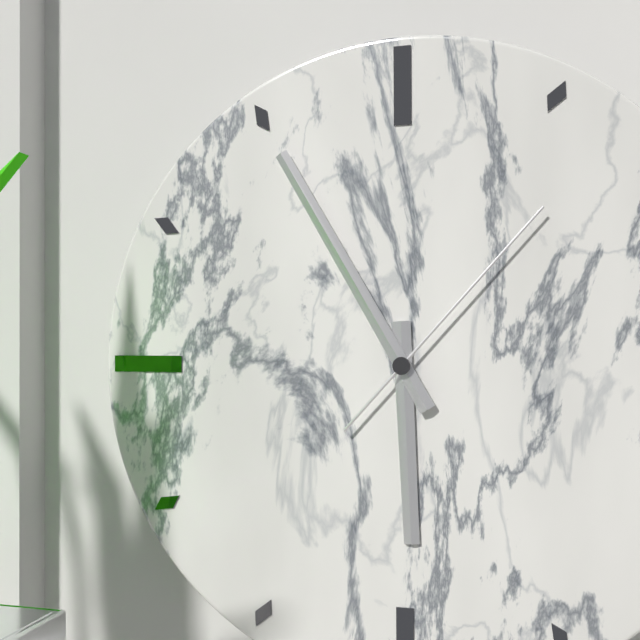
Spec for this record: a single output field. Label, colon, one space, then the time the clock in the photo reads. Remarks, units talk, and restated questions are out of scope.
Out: 5:55:07
